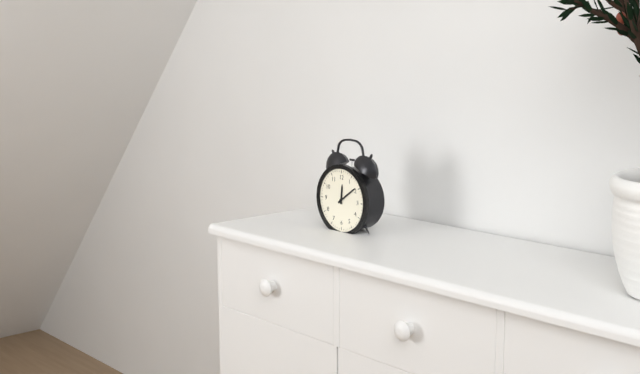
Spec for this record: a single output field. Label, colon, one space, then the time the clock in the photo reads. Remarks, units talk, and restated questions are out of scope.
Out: 12:09
